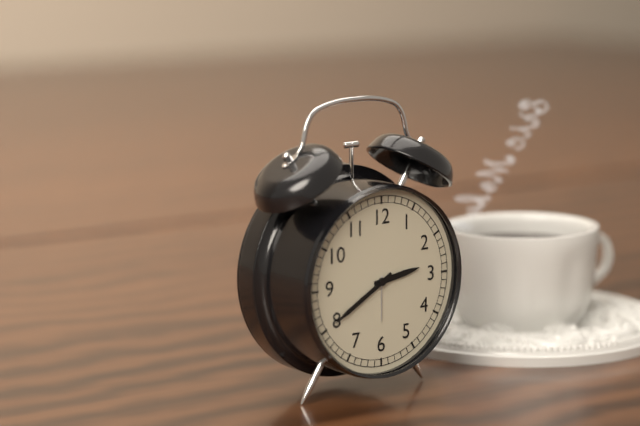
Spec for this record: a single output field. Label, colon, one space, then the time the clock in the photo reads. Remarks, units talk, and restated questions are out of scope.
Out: 2:40
